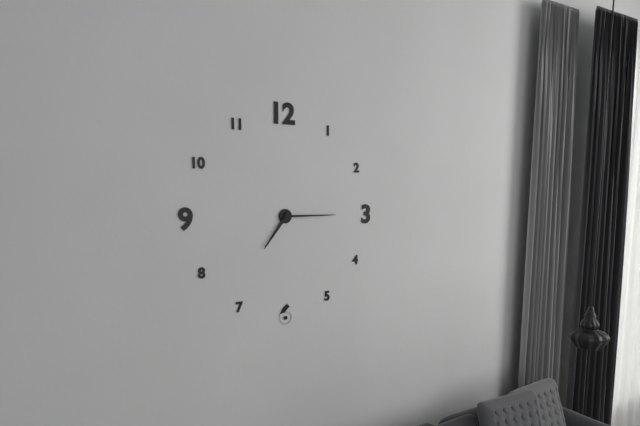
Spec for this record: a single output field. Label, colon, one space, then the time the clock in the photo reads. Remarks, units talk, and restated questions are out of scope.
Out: 7:15
